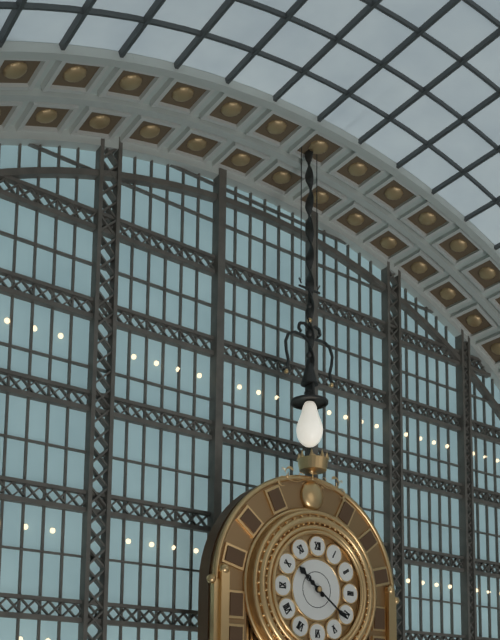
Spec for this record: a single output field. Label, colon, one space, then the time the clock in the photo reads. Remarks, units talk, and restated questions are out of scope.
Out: 10:21
